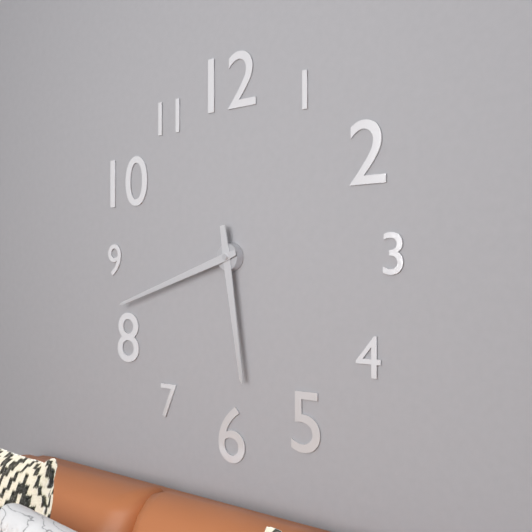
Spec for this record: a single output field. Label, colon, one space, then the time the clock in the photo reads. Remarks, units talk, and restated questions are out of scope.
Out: 5:42
